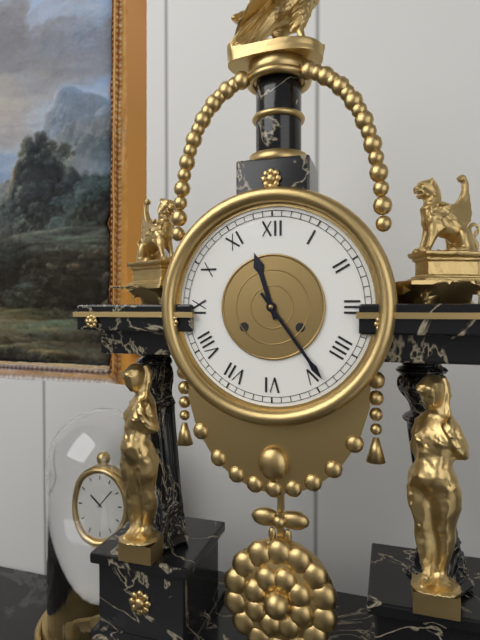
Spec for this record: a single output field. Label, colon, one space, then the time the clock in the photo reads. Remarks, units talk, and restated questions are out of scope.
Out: 11:24
